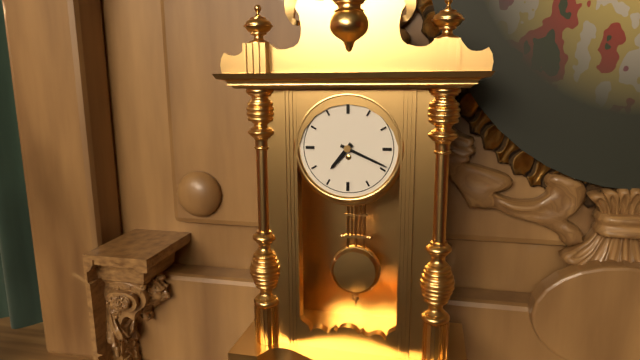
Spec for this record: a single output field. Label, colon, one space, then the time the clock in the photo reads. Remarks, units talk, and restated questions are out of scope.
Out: 7:19
